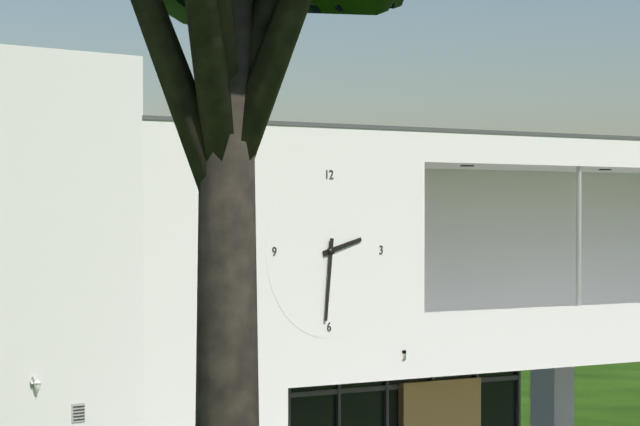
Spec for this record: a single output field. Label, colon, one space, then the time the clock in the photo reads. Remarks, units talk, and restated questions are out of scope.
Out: 2:31
